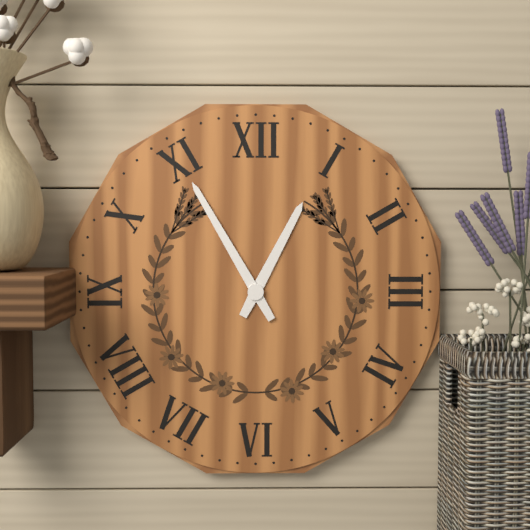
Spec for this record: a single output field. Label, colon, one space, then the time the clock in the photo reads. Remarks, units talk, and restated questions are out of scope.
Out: 12:55
